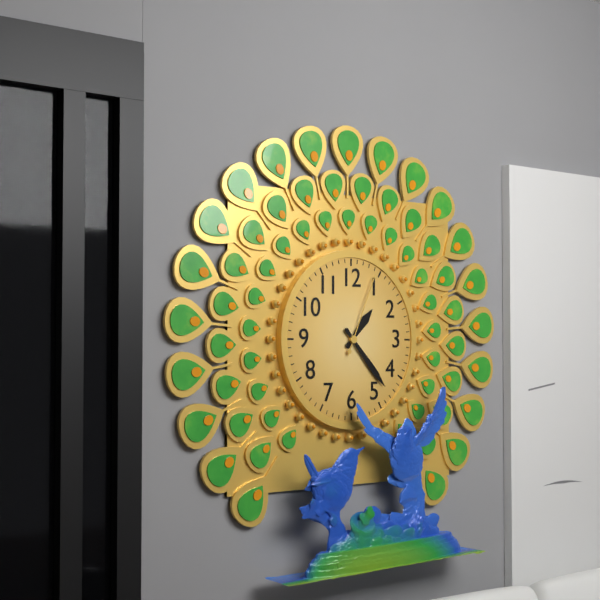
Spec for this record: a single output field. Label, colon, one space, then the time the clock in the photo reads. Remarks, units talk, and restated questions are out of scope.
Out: 1:23:04
